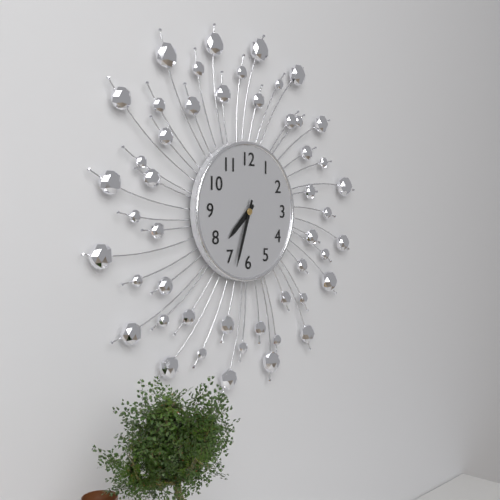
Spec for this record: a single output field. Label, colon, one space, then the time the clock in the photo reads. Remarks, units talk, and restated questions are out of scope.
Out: 7:33
